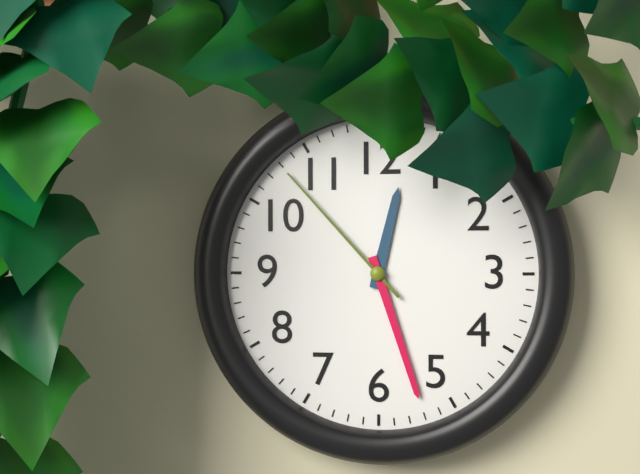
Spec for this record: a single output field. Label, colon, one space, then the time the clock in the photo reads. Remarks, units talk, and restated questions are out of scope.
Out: 12:27:53
